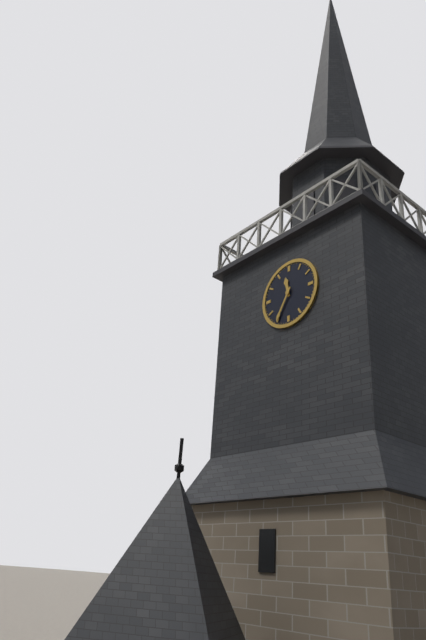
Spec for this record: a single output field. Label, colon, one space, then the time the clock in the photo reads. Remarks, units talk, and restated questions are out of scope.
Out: 11:35
